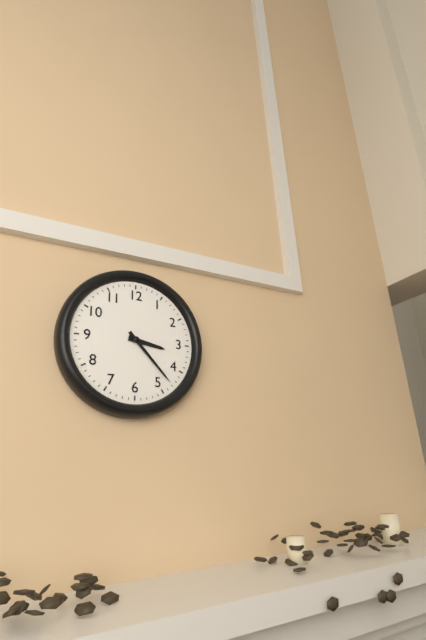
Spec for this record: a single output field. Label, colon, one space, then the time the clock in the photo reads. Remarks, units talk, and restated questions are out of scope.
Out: 3:23
